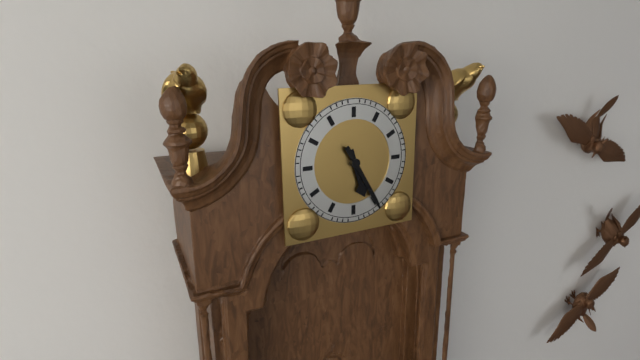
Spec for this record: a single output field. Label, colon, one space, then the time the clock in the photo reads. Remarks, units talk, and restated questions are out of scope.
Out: 5:25
